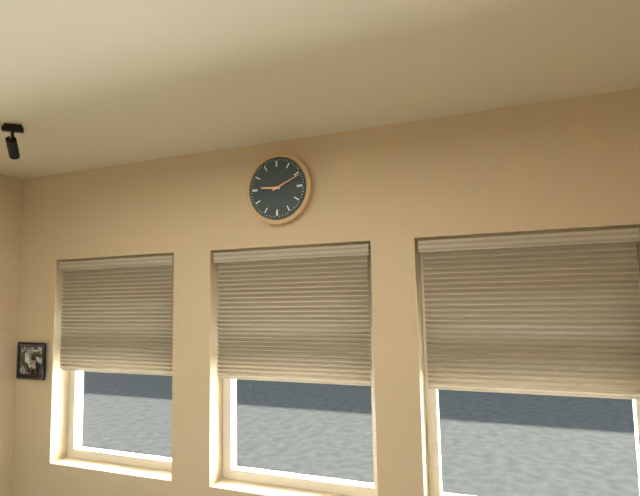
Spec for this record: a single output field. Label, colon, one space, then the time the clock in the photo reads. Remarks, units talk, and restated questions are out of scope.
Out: 9:11
